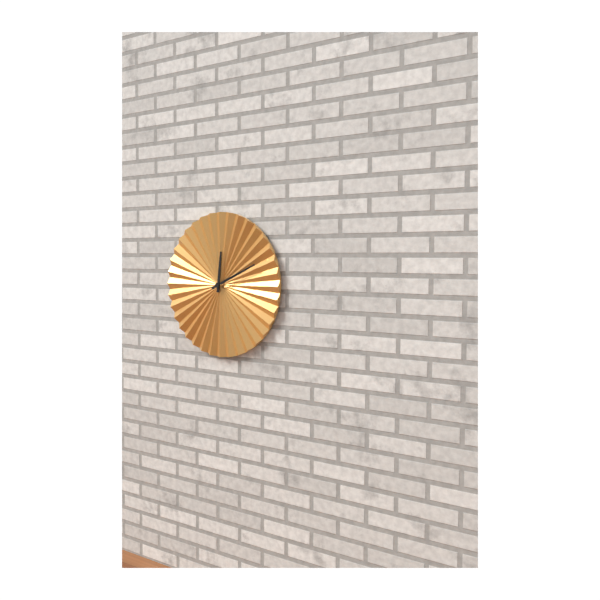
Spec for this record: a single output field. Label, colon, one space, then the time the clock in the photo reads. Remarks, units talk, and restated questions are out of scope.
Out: 12:11
